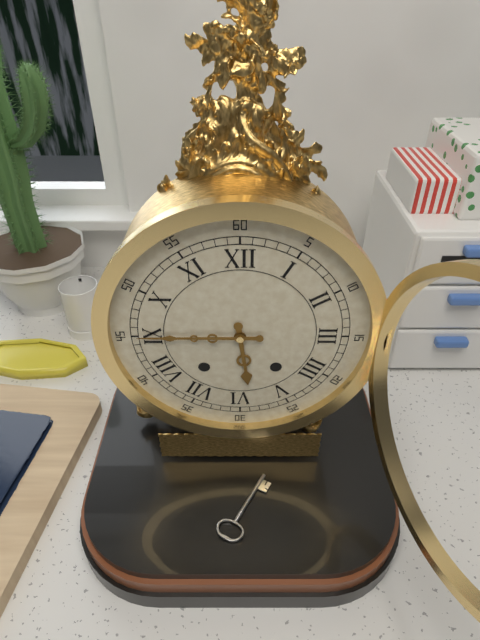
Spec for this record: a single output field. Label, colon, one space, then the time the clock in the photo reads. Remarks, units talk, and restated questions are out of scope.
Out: 5:45
